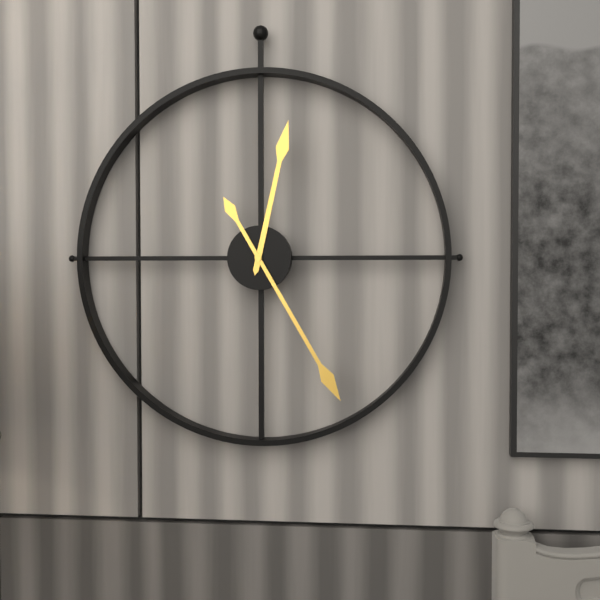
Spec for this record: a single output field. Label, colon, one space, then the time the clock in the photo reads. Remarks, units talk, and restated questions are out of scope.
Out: 12:25
